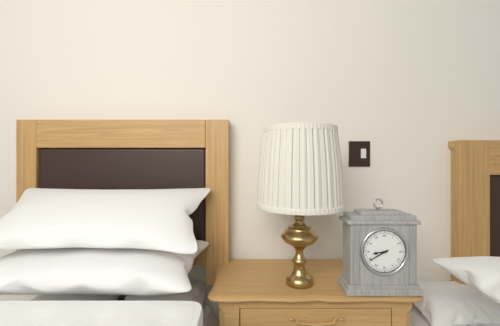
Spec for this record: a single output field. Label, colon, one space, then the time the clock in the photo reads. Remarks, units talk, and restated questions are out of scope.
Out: 8:40
